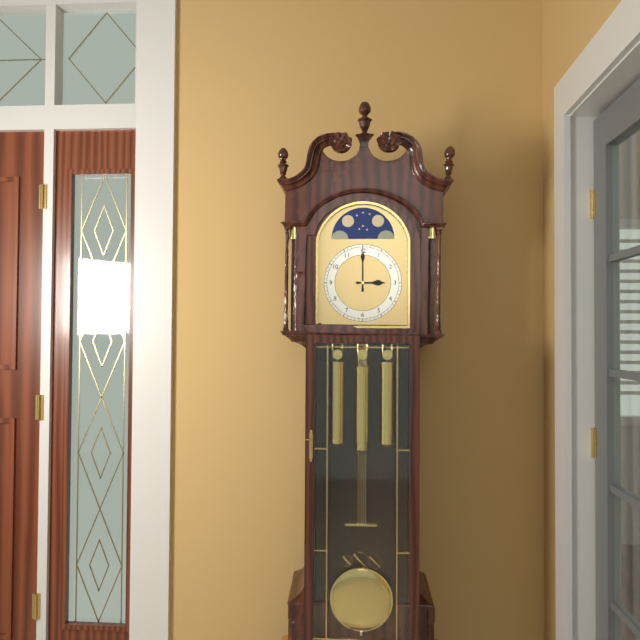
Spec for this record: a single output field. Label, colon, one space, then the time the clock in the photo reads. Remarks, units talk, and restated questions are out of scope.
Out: 3:00
